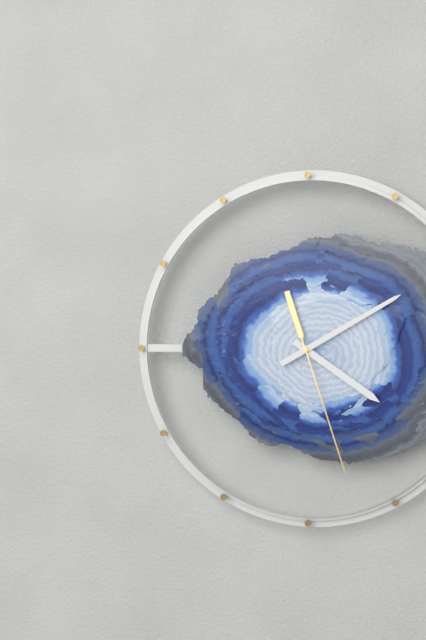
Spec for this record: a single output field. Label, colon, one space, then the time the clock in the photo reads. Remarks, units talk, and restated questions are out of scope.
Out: 4:10:27
